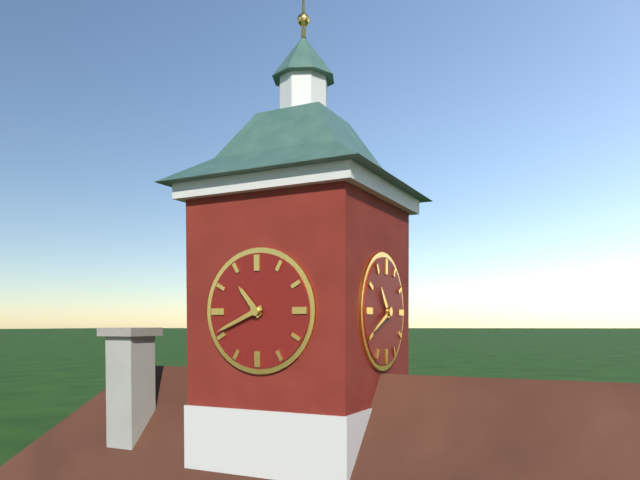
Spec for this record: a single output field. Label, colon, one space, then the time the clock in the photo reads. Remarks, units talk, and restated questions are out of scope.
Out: 10:41
